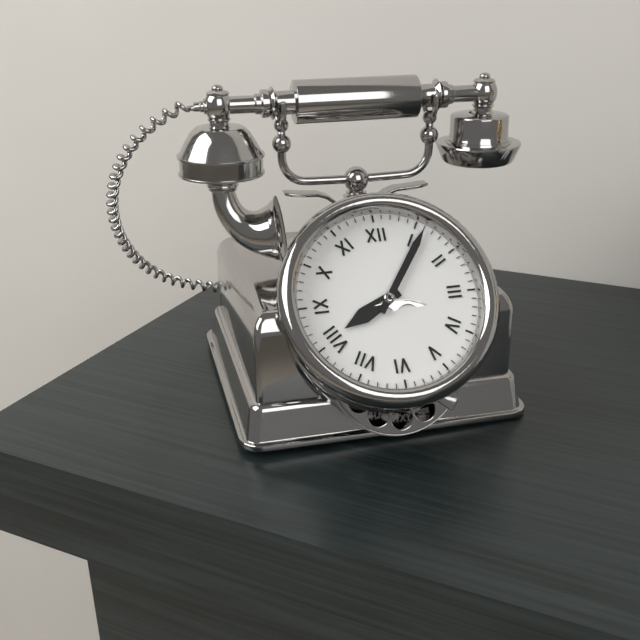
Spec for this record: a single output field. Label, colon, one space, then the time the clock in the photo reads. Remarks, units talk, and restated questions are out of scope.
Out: 8:06
